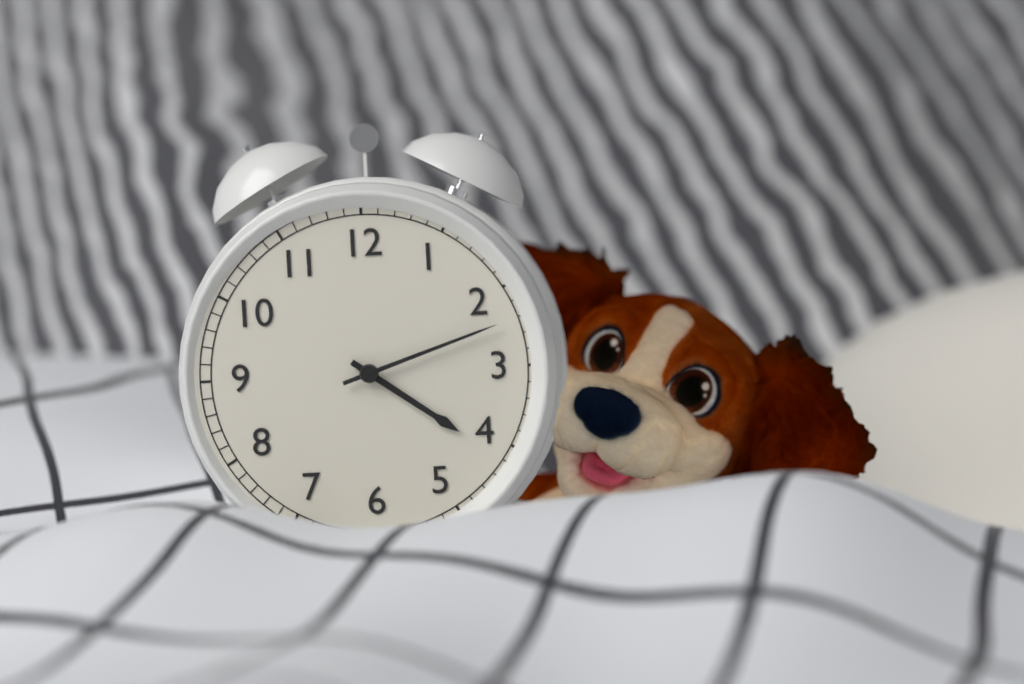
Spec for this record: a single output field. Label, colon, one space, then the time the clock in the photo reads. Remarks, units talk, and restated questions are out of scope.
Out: 4:12
